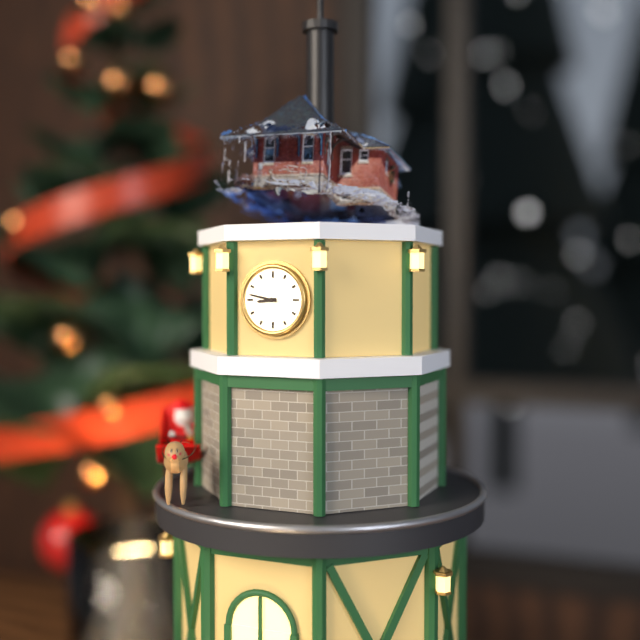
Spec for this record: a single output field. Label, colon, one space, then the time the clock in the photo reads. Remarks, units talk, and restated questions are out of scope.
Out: 8:47
